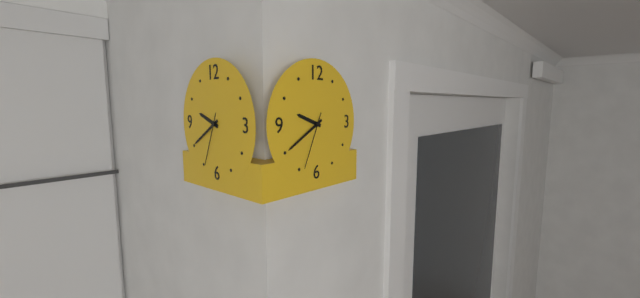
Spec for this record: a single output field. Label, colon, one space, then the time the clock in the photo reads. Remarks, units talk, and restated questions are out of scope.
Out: 9:40:34
